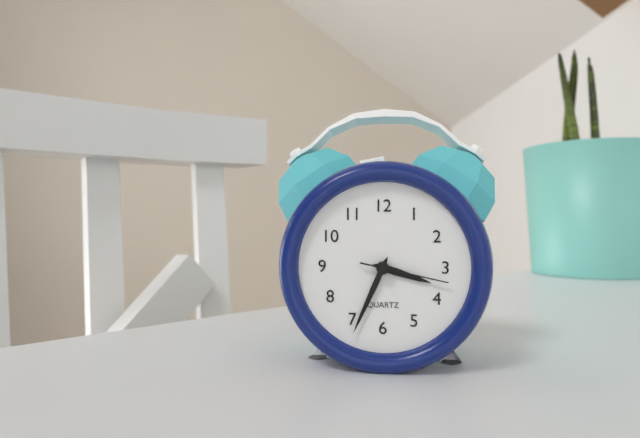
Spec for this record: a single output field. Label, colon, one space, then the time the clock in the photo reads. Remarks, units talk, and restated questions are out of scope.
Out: 3:34:17
